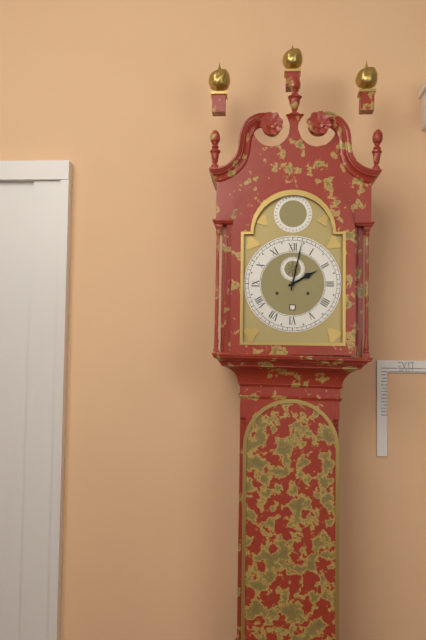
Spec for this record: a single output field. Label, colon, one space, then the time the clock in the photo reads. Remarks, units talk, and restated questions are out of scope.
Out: 2:02
